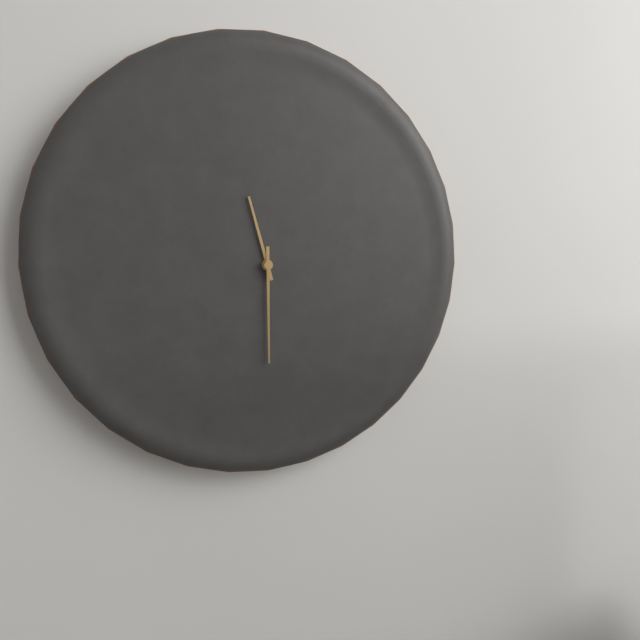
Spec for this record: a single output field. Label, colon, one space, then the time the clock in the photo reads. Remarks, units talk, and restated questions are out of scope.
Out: 11:30
